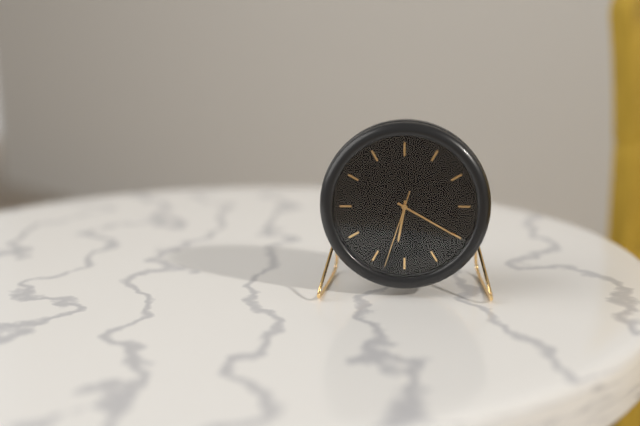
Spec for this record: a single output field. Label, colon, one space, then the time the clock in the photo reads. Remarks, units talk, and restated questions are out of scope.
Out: 6:20:33
